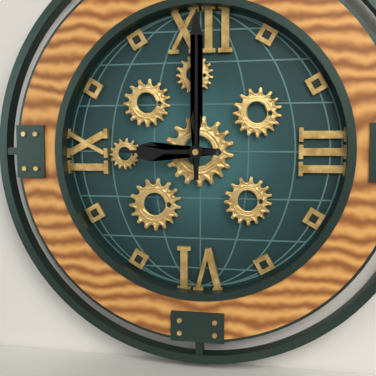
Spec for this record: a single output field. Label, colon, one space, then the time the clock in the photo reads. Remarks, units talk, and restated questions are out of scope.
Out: 9:00
